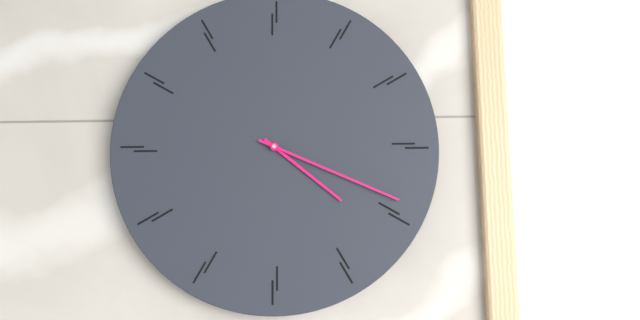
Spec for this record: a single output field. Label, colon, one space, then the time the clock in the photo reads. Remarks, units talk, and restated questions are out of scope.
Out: 4:19
